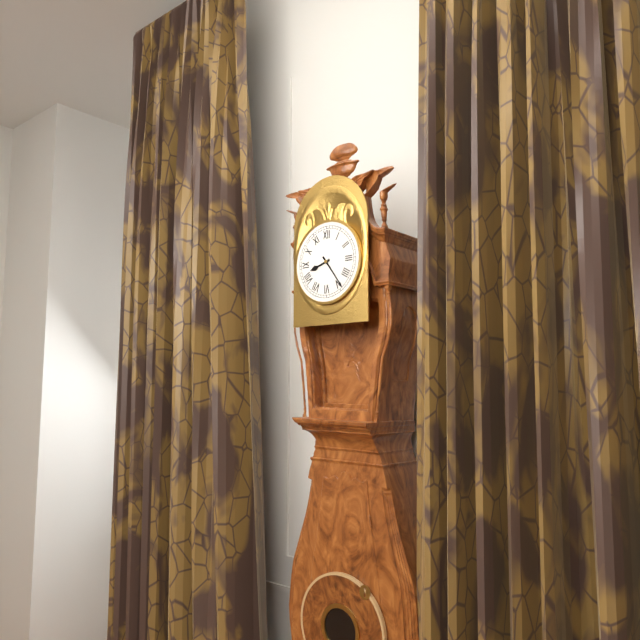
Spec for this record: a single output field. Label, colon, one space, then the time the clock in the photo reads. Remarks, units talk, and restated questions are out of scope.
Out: 8:24
